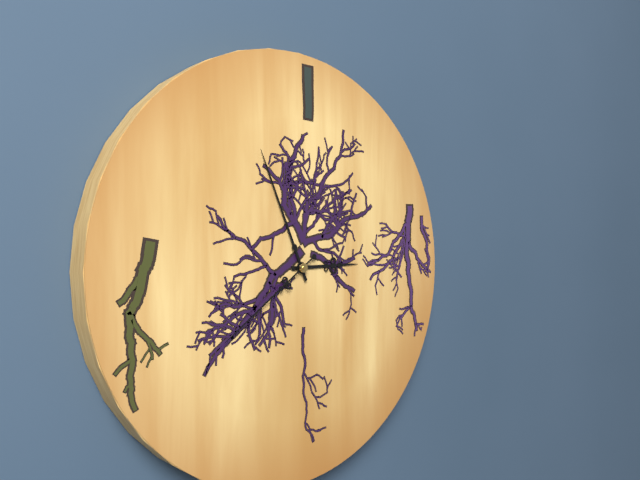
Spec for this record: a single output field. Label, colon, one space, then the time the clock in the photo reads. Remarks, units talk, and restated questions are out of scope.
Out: 2:56:39
